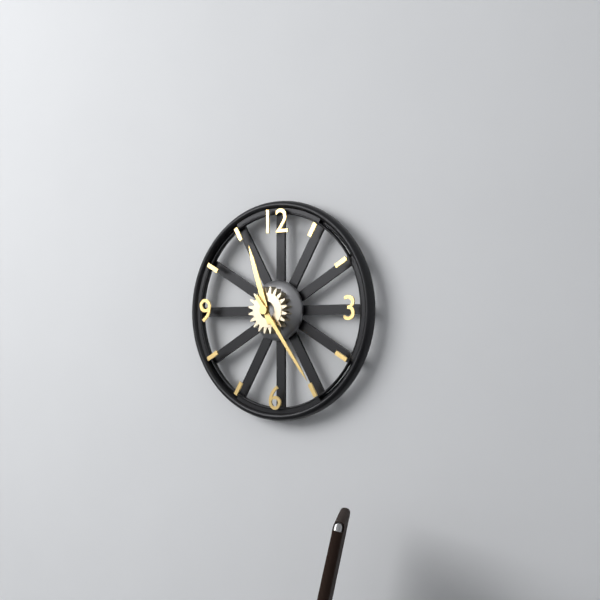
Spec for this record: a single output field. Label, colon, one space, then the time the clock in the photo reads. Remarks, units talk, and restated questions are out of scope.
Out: 11:24
